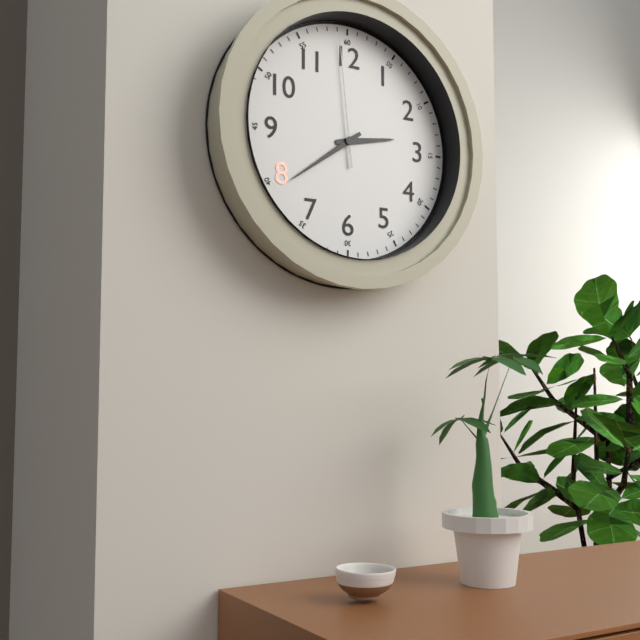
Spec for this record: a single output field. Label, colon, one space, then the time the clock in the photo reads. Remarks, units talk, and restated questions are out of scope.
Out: 2:39:59
